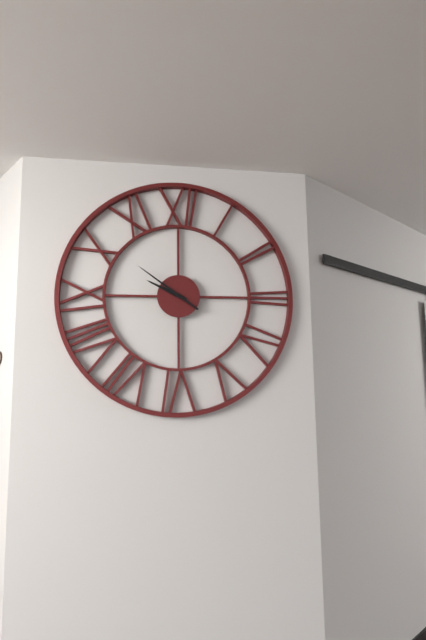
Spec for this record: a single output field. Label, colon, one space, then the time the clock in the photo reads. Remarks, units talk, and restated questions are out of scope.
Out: 9:51
